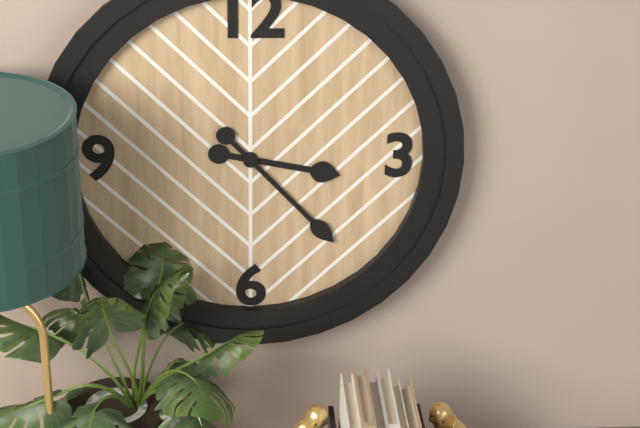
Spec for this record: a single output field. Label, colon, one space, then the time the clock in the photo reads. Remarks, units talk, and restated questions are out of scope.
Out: 3:23
